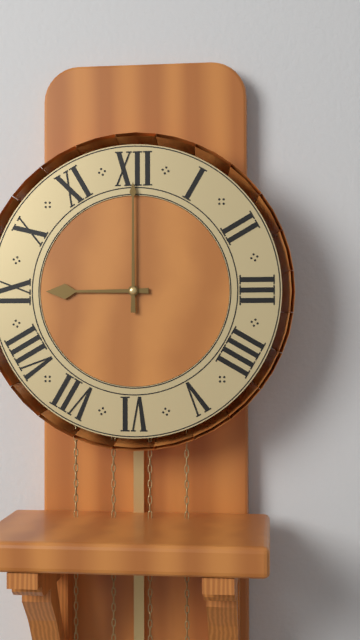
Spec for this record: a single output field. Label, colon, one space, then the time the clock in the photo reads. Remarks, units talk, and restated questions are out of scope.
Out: 9:00
